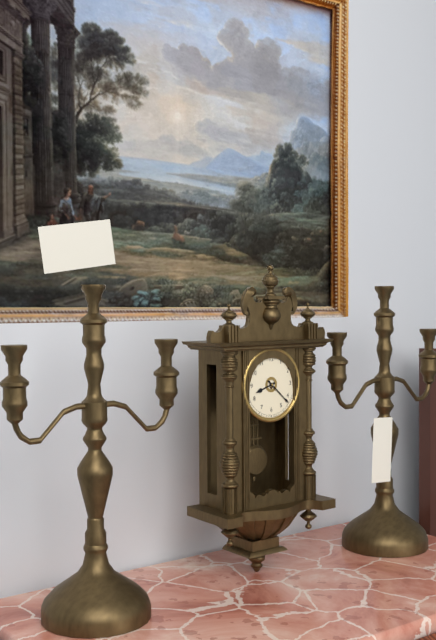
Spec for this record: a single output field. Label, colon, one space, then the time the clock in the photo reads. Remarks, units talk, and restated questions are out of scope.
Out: 8:22
